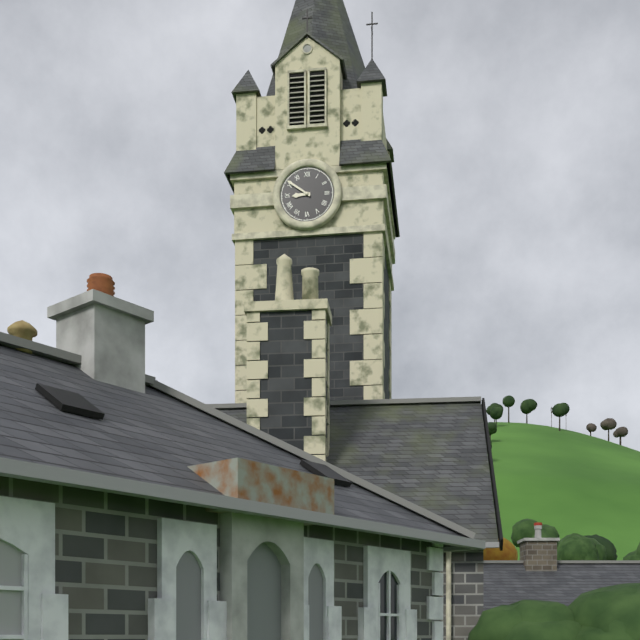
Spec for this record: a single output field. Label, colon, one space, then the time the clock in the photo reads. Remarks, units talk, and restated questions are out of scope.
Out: 8:51
